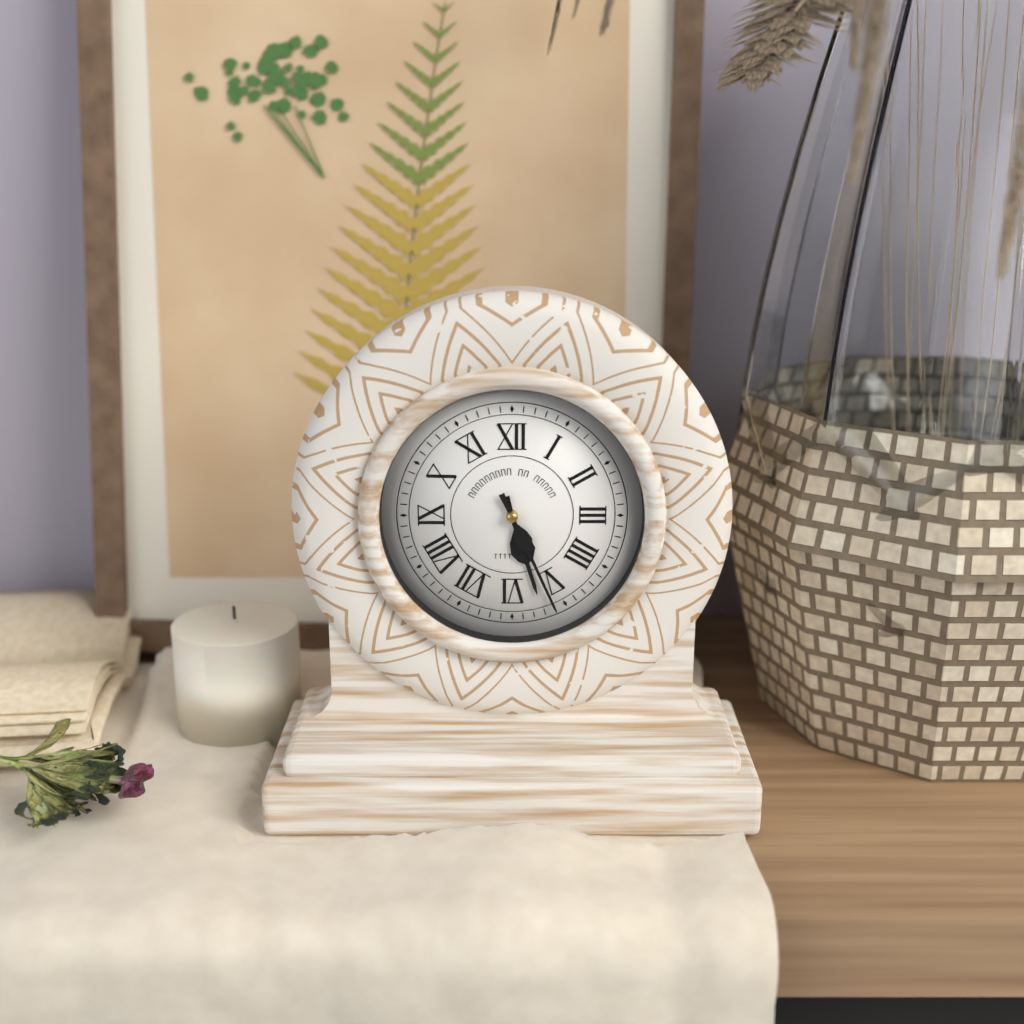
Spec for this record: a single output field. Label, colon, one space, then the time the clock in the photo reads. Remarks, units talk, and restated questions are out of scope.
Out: 5:26
